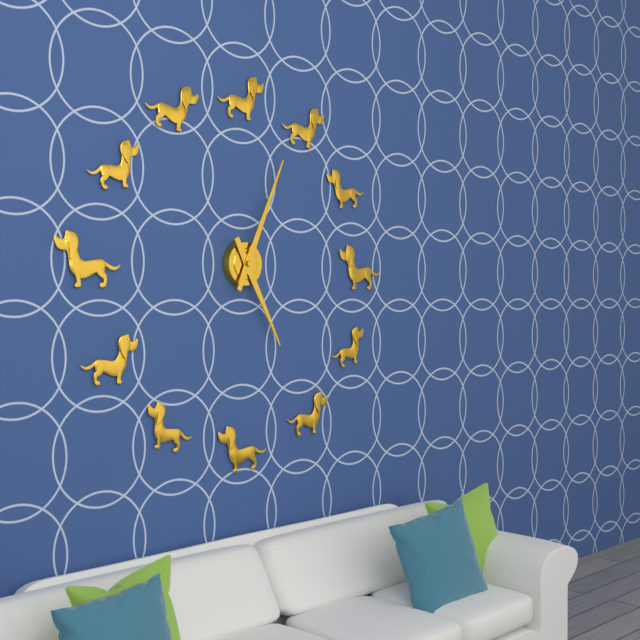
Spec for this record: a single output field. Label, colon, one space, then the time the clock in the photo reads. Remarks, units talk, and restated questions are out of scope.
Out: 5:04
